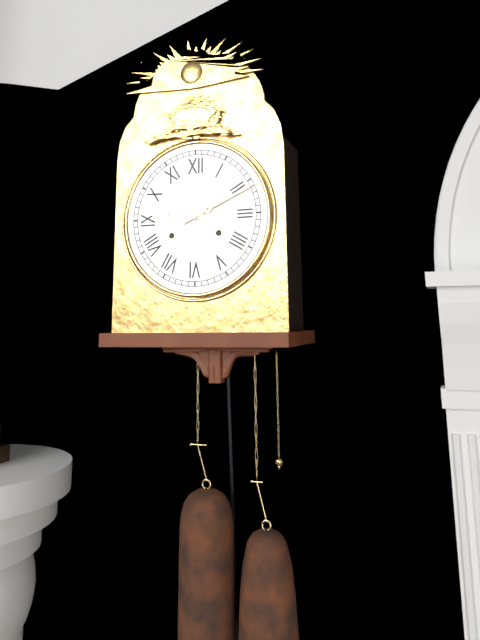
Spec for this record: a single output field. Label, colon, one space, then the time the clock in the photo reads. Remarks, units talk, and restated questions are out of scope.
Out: 9:11
